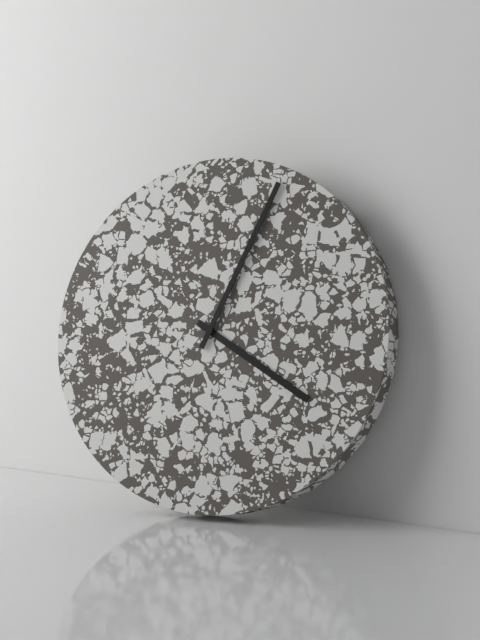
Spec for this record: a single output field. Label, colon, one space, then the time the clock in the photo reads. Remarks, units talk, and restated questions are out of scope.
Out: 4:04
